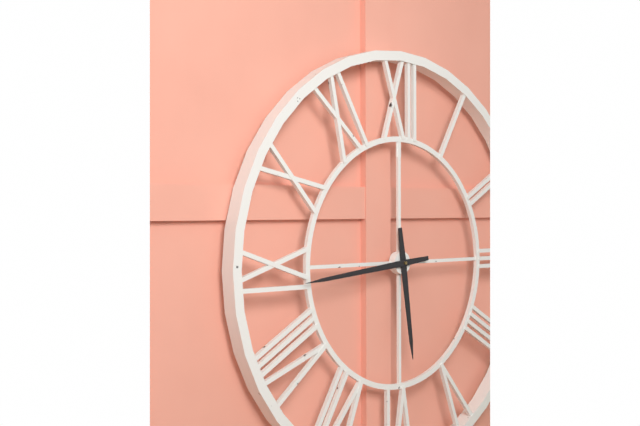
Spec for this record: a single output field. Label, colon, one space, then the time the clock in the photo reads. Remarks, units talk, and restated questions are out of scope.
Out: 5:44
